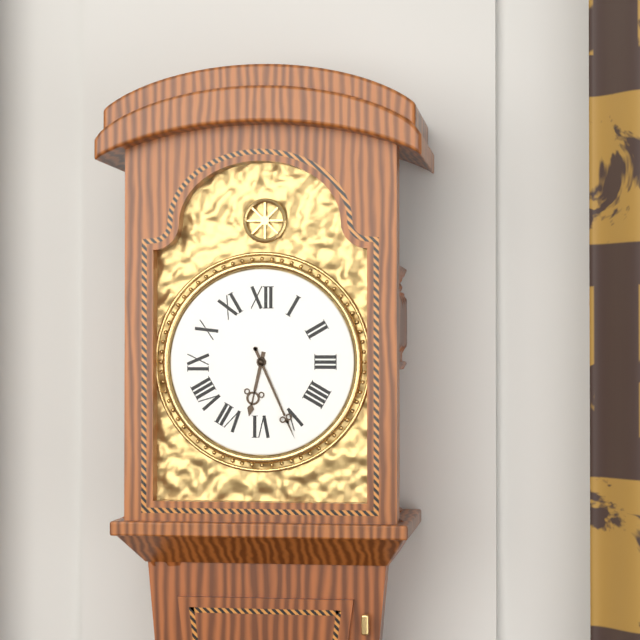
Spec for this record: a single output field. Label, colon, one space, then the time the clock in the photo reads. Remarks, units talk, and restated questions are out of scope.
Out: 6:26
